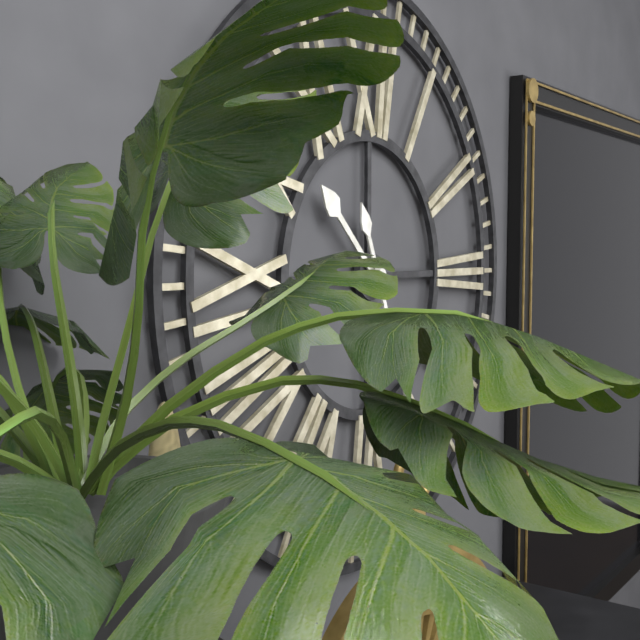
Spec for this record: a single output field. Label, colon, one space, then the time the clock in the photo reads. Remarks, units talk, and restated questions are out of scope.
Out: 10:26
